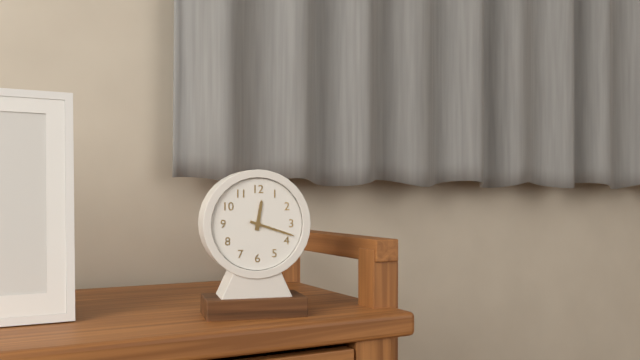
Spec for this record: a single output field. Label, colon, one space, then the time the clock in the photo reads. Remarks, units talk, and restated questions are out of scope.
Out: 12:18
